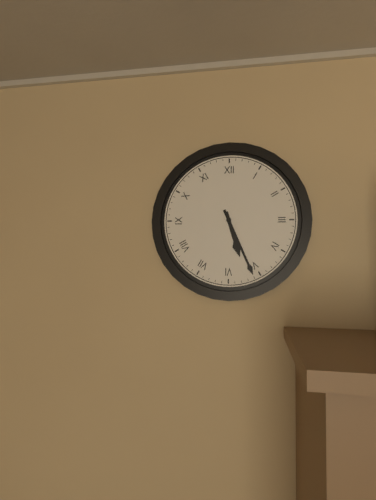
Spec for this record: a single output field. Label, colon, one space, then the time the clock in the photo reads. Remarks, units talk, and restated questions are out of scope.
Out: 5:26
